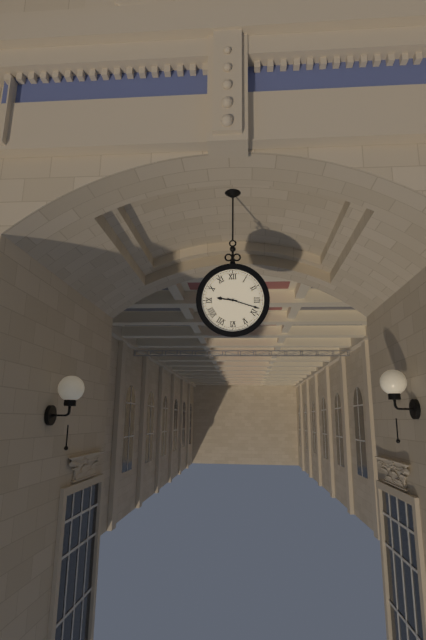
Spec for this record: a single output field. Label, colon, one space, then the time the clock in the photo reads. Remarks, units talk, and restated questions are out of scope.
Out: 9:18
